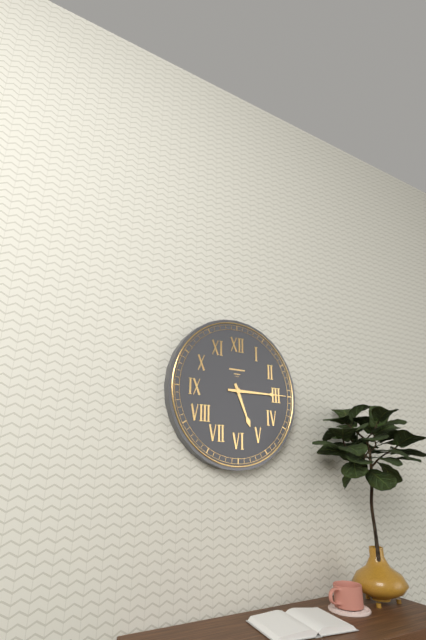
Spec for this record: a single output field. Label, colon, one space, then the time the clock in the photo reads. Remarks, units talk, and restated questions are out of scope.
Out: 5:15
